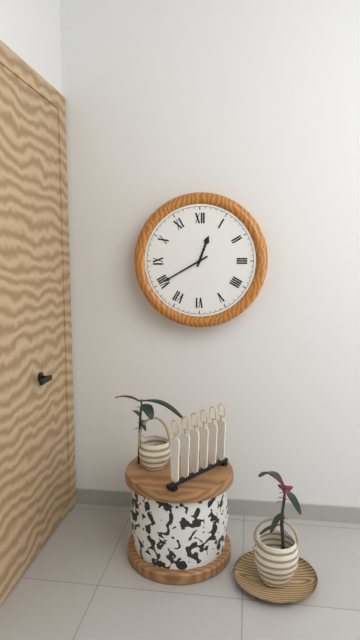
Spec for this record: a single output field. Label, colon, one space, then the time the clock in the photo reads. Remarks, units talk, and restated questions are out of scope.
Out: 12:40
